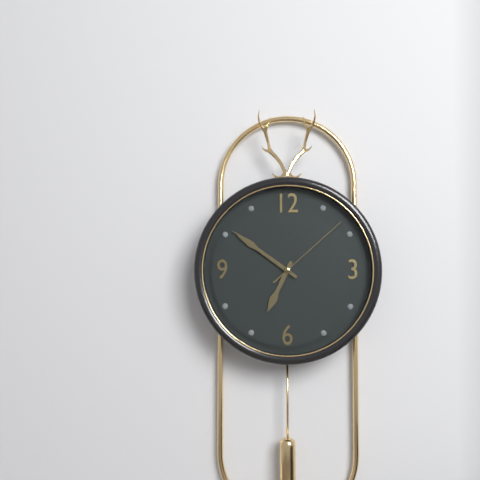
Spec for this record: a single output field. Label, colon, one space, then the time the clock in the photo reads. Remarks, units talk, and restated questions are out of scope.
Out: 6:51:08
